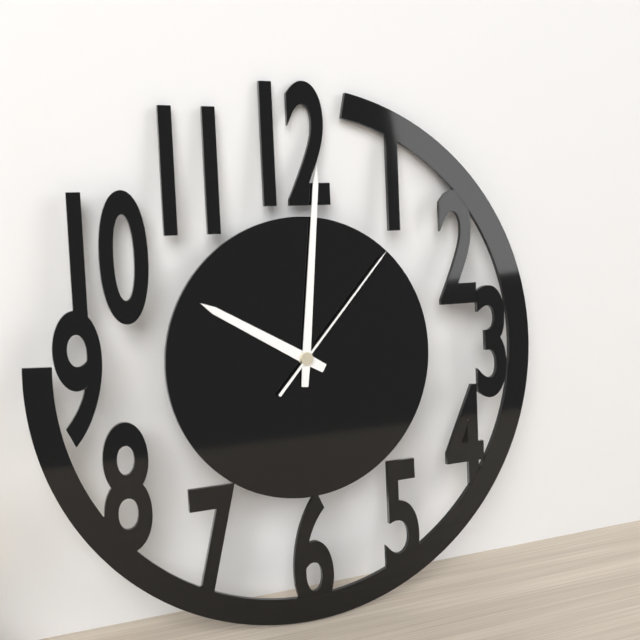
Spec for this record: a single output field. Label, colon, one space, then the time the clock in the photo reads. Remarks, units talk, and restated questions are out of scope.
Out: 10:01:07
